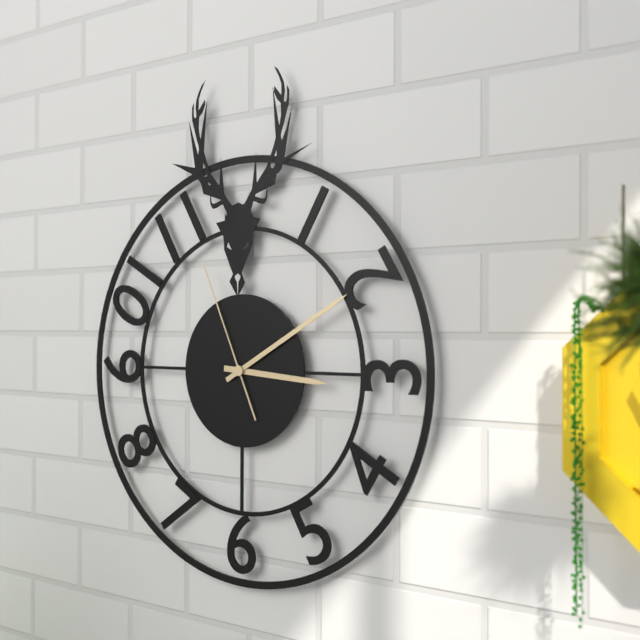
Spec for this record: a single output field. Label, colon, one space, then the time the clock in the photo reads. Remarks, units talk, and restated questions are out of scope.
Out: 3:10:56
